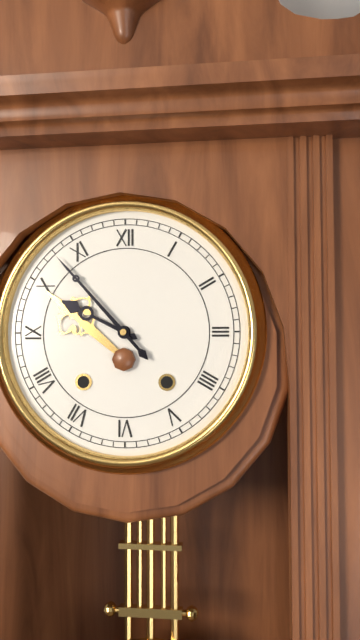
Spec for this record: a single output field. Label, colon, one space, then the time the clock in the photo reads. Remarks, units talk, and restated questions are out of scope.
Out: 9:53
